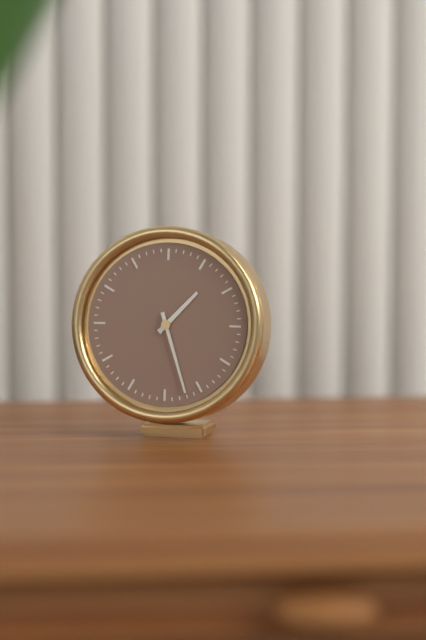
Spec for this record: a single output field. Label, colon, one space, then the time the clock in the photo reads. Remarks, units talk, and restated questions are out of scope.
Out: 1:27
